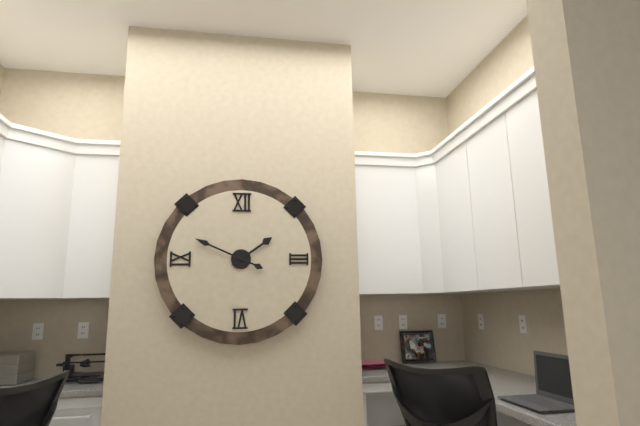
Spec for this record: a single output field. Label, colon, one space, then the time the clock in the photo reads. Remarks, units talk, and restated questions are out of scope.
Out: 1:49
